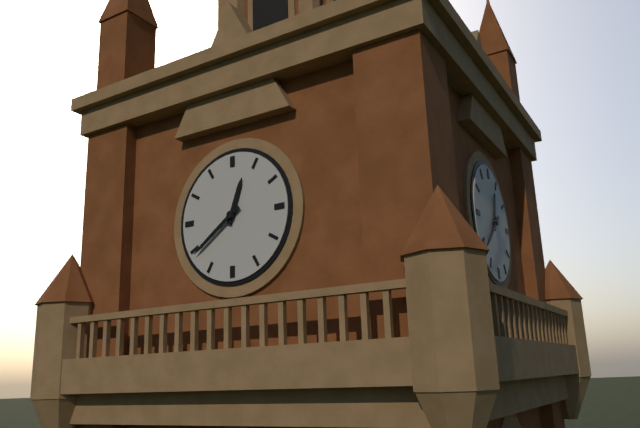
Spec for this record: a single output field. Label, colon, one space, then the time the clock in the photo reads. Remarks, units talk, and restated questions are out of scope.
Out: 12:39
